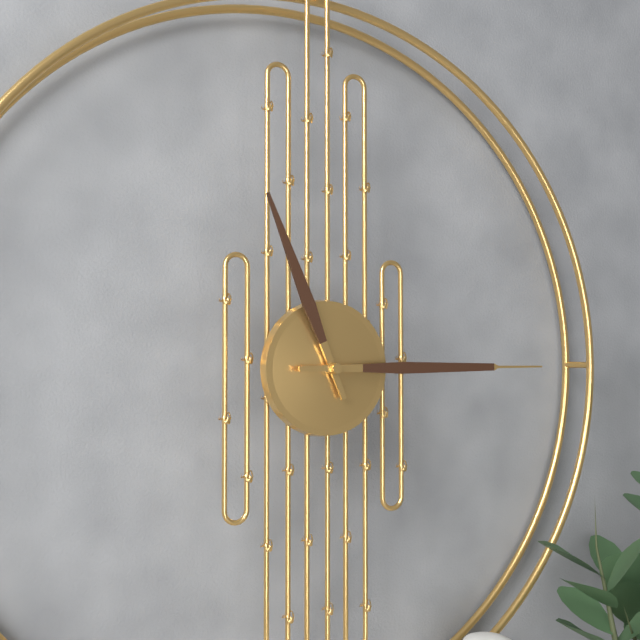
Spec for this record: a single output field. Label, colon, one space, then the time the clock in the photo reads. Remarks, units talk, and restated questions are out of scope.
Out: 11:15
